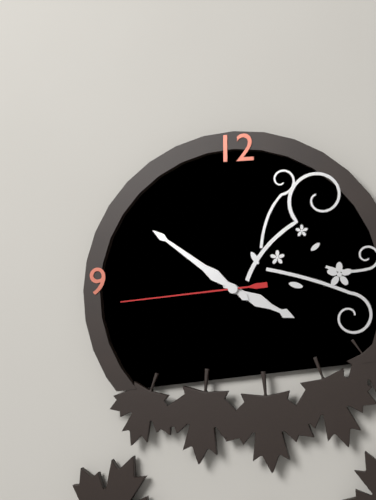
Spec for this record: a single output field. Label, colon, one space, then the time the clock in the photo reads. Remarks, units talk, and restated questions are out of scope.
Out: 3:51:44
